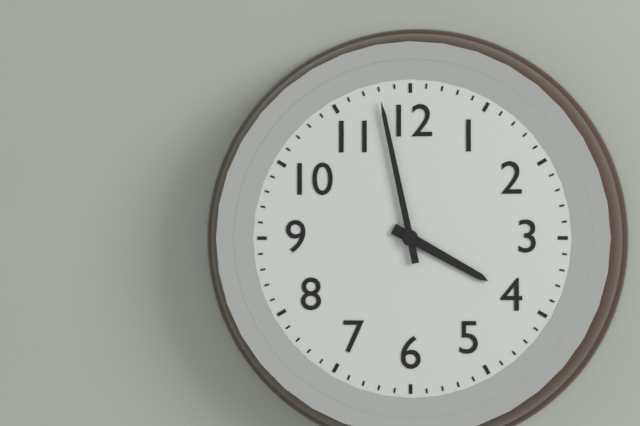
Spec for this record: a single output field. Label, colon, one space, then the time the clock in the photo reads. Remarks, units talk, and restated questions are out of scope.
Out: 3:58
